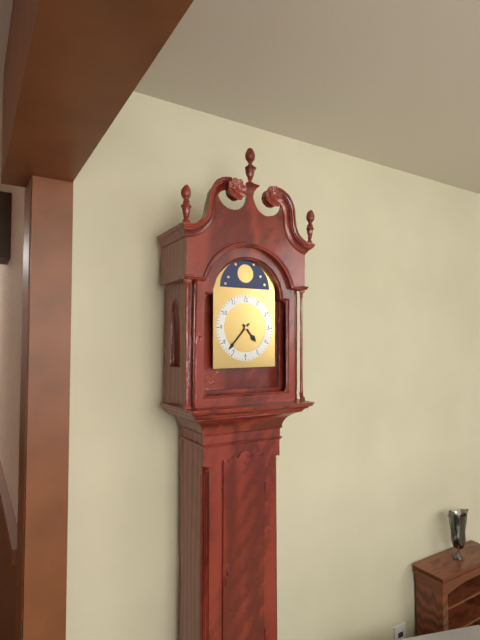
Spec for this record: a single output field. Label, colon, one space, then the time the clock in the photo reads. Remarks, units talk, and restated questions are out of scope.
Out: 4:37
